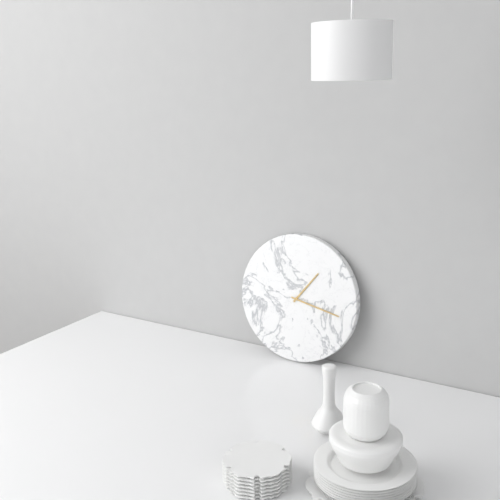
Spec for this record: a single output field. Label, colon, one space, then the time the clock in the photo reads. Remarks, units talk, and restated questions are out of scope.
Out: 1:17
